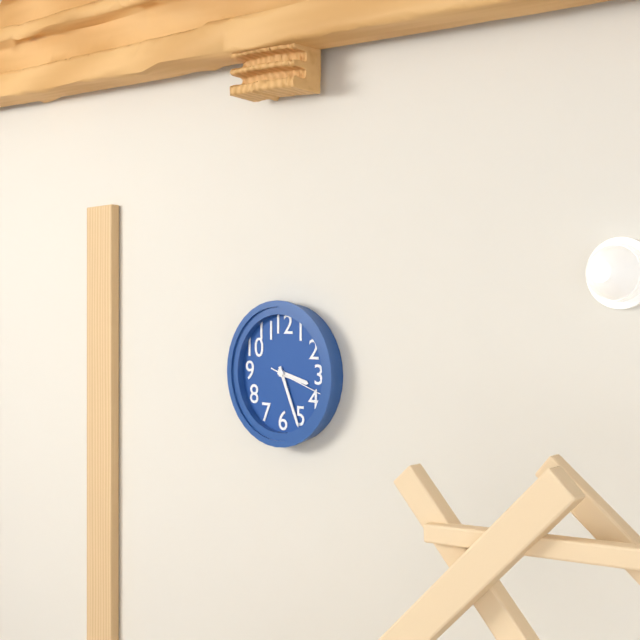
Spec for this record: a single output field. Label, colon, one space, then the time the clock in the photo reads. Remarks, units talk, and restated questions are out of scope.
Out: 3:26:18
